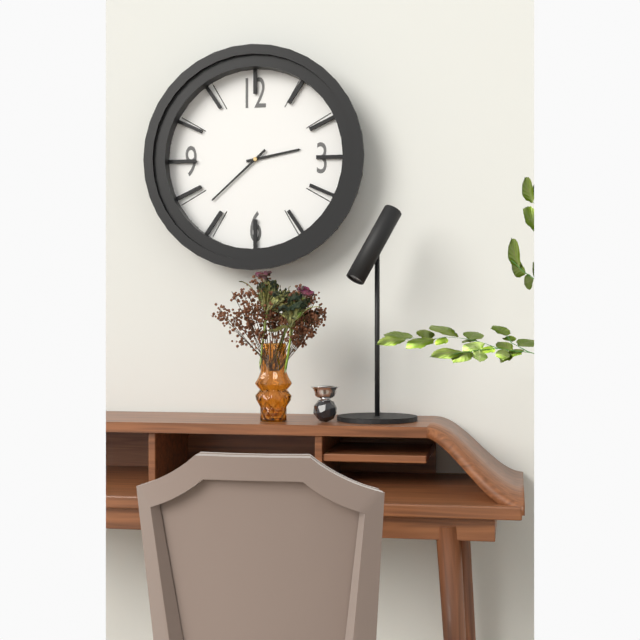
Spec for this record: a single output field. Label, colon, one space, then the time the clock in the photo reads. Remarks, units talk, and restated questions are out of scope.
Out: 2:38
